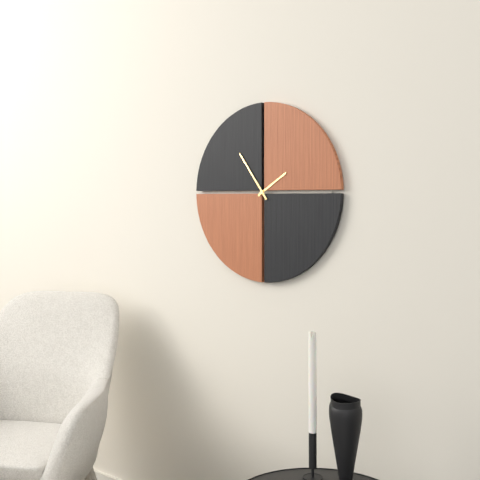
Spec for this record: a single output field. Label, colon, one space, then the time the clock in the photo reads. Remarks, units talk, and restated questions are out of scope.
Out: 1:54
